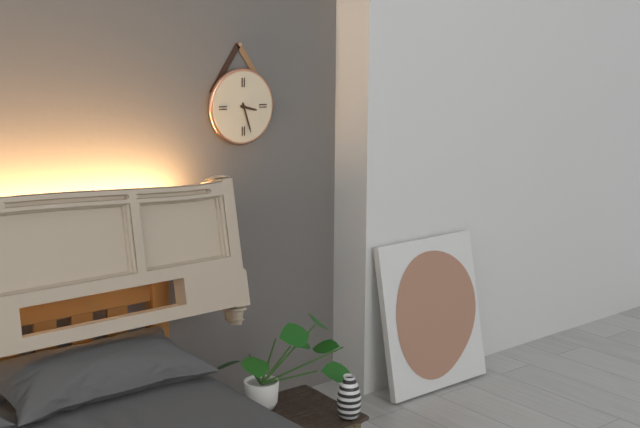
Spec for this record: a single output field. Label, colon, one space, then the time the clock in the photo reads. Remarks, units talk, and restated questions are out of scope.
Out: 3:27
